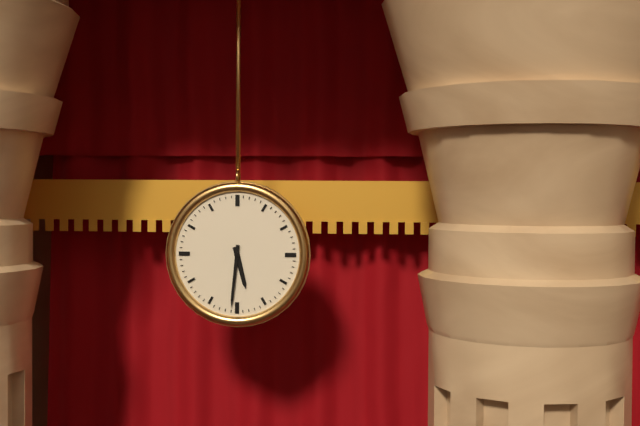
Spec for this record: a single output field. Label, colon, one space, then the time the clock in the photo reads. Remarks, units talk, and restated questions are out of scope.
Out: 5:31
